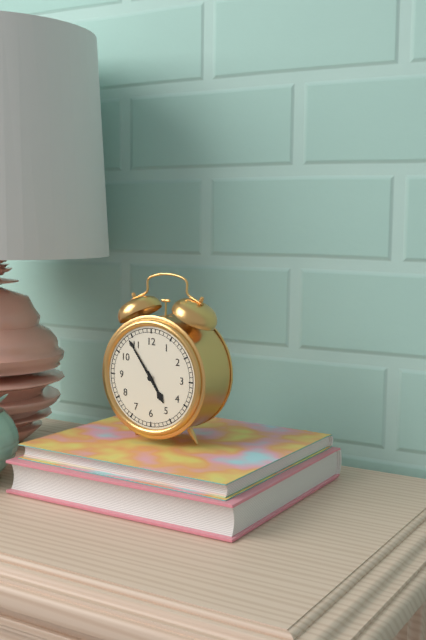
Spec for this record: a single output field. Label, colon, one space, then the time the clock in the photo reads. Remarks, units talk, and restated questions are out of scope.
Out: 4:54
